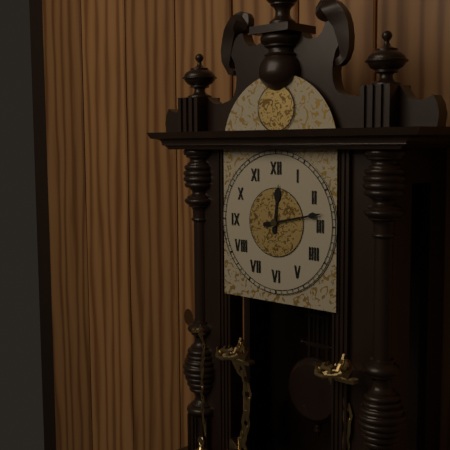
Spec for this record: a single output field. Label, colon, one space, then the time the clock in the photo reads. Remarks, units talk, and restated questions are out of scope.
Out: 12:13
